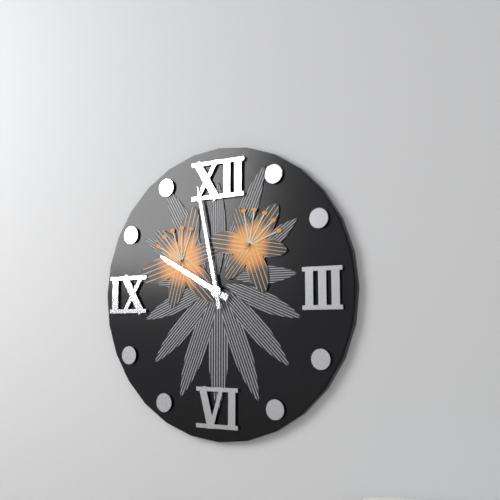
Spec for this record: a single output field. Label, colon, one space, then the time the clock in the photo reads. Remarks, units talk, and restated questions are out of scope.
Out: 9:58
